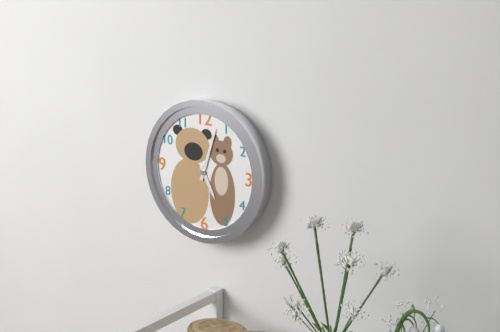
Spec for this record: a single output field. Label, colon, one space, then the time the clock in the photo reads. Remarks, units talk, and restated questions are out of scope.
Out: 5:03
